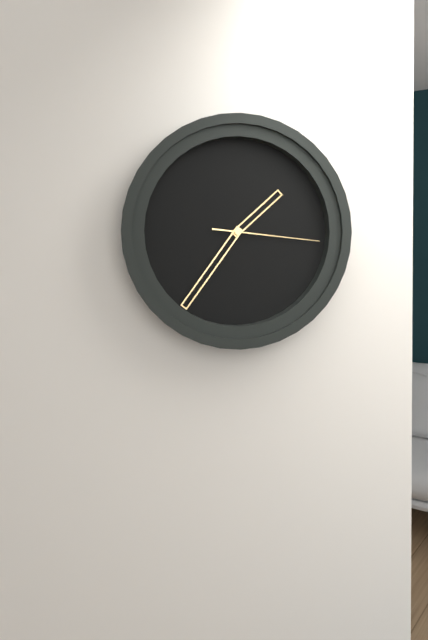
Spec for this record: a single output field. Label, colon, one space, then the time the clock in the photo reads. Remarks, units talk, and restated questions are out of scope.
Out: 1:36:16
